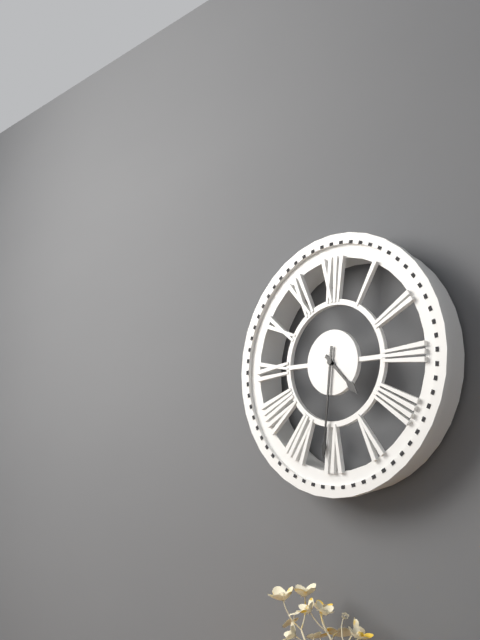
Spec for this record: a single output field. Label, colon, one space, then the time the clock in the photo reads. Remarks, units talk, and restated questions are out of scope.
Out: 4:31
